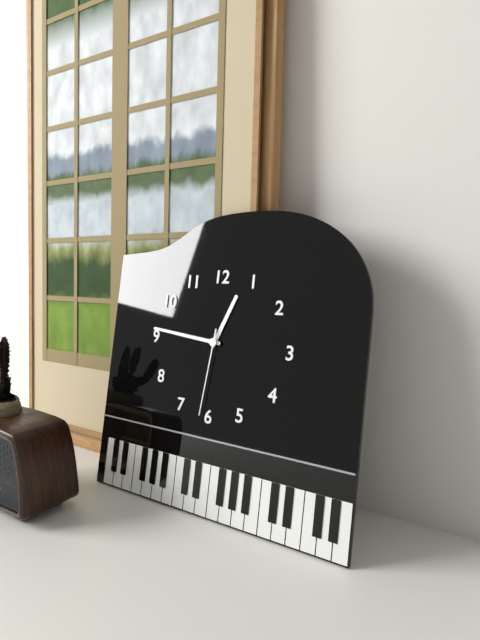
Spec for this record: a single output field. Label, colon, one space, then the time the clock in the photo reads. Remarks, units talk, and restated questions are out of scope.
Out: 12:46:31
